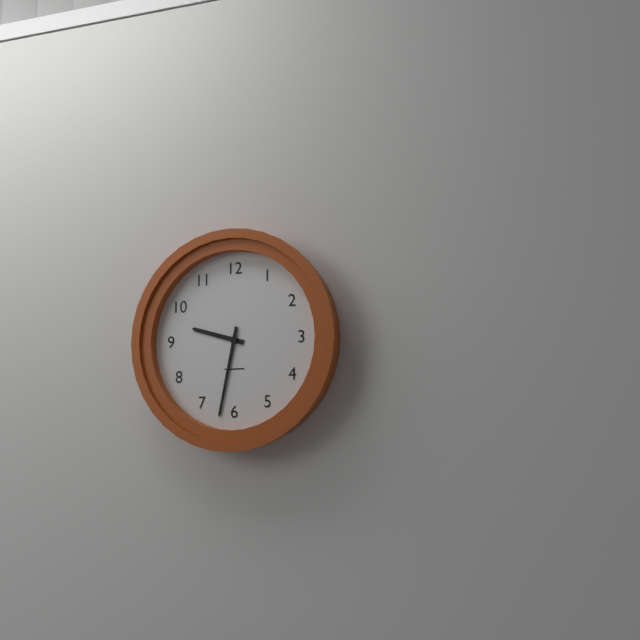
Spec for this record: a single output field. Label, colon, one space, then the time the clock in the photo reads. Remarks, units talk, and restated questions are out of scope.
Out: 9:32
